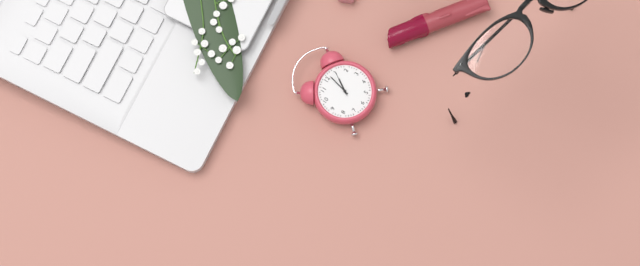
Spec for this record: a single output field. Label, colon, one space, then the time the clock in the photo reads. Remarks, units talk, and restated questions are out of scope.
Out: 1:02
